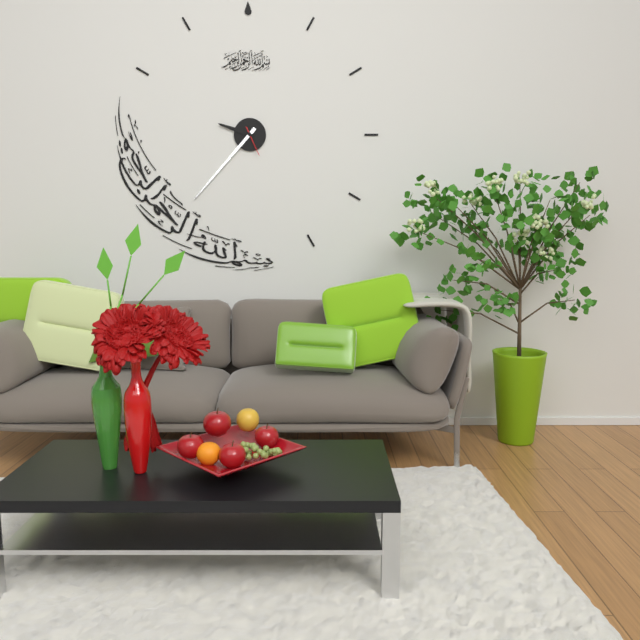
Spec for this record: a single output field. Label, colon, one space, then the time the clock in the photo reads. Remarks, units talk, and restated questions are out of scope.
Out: 9:37
